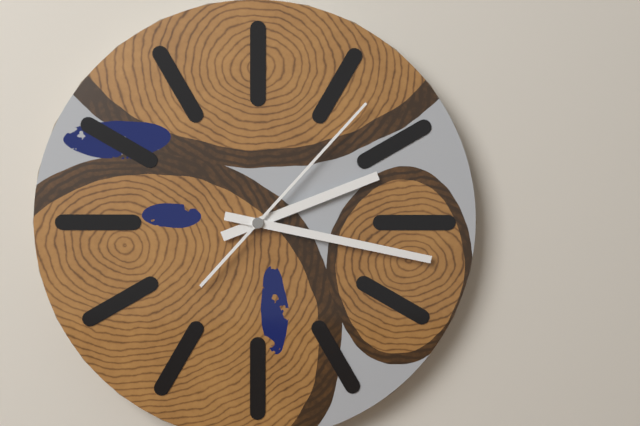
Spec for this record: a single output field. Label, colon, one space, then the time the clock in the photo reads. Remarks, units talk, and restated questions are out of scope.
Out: 2:17:07
